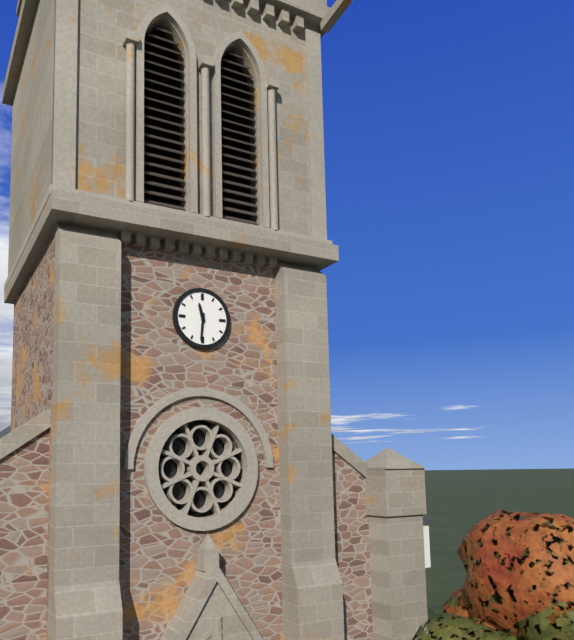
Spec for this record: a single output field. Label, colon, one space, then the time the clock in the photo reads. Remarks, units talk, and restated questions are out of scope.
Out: 11:31
